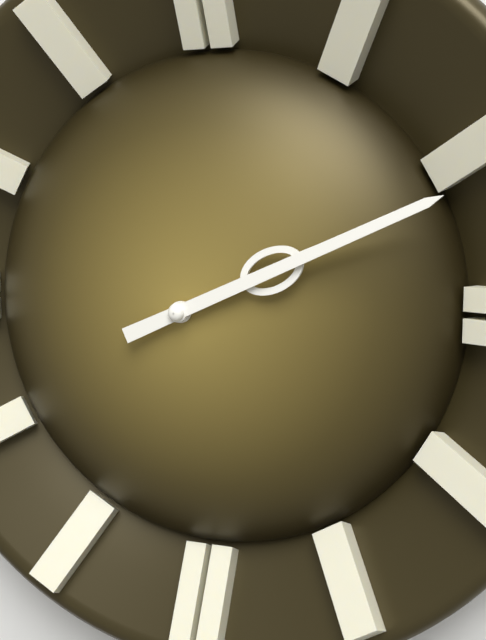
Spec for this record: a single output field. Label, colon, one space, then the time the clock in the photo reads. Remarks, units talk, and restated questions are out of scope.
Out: 2:11
